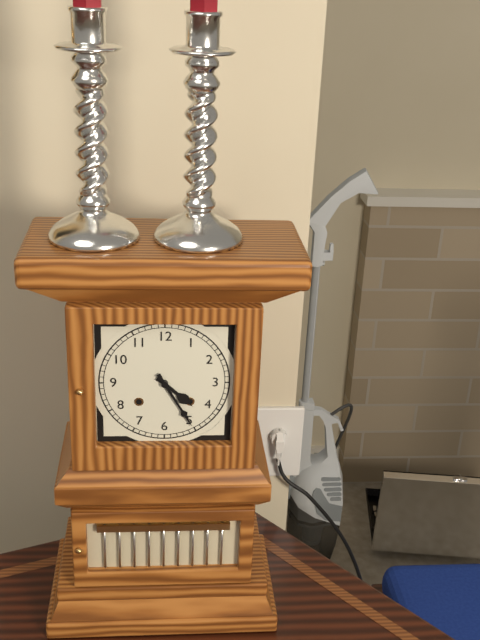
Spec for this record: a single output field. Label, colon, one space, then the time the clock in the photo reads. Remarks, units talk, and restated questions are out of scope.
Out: 4:25
